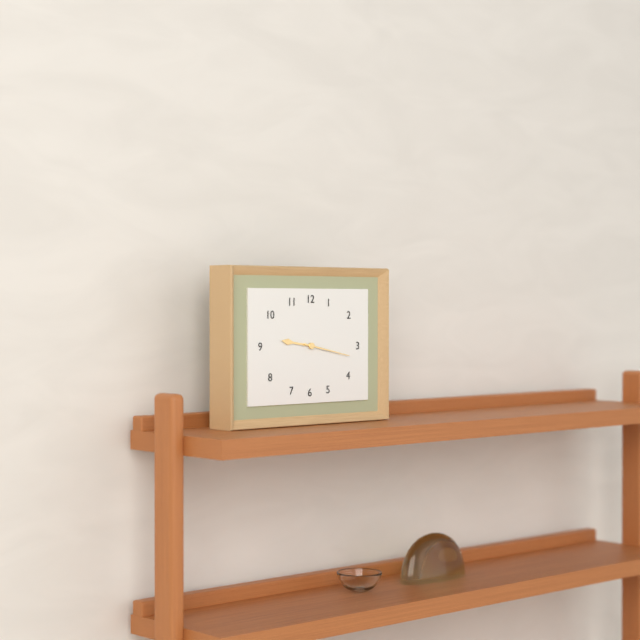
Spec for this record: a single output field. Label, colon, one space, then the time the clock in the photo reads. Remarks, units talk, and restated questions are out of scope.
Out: 9:17
